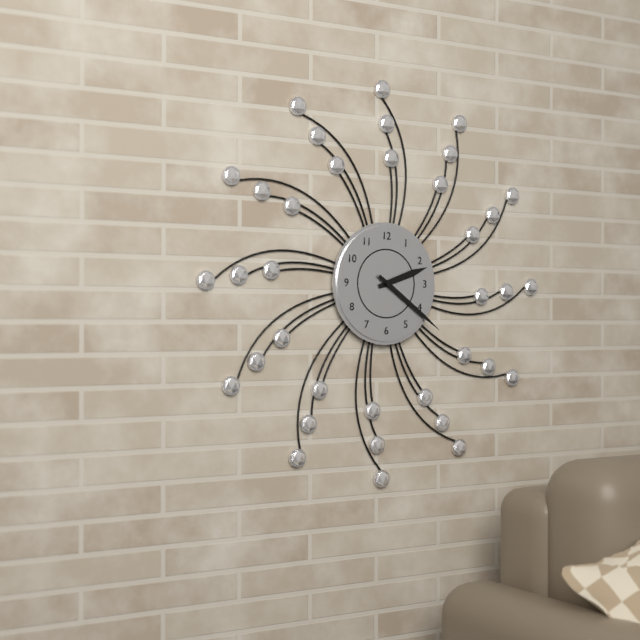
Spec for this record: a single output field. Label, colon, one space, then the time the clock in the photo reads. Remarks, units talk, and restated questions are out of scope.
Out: 2:21
